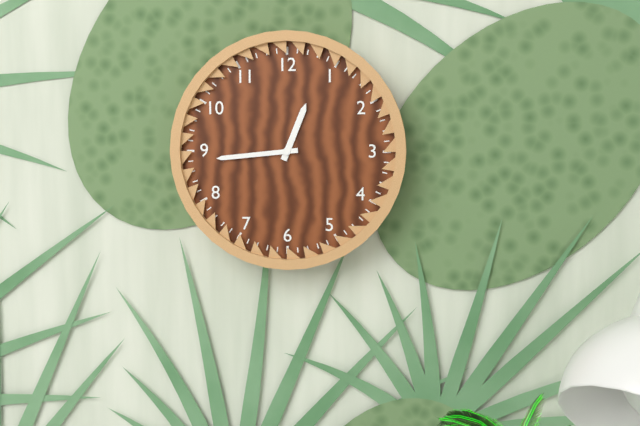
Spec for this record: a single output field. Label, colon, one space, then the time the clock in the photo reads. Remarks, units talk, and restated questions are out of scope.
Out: 12:44
